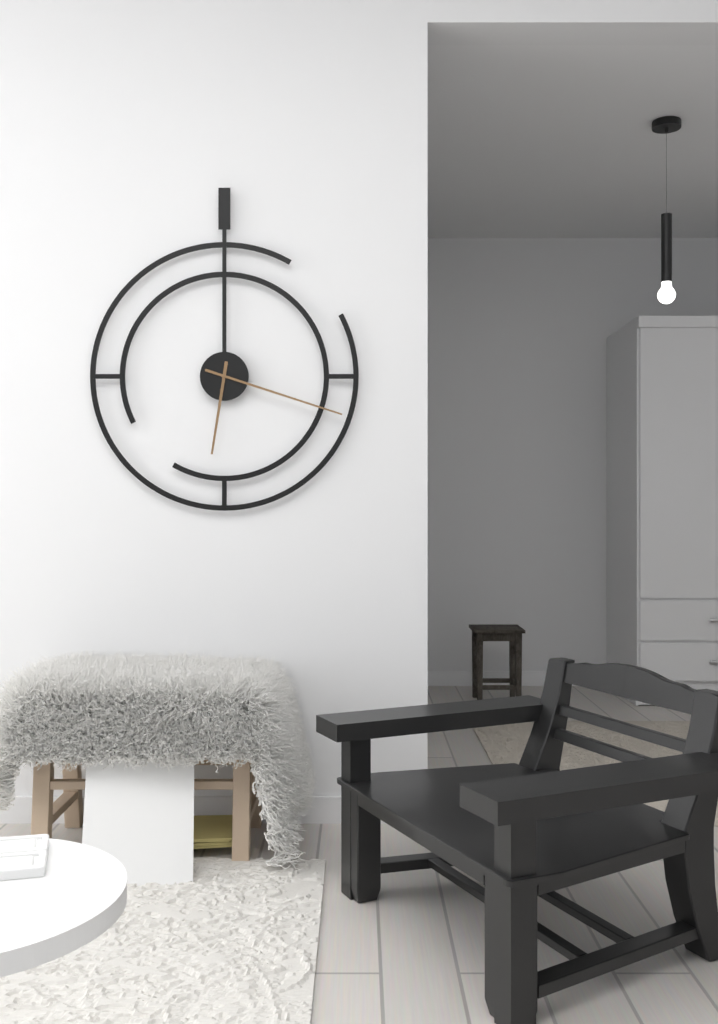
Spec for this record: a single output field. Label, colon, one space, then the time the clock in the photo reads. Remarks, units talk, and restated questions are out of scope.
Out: 6:18
